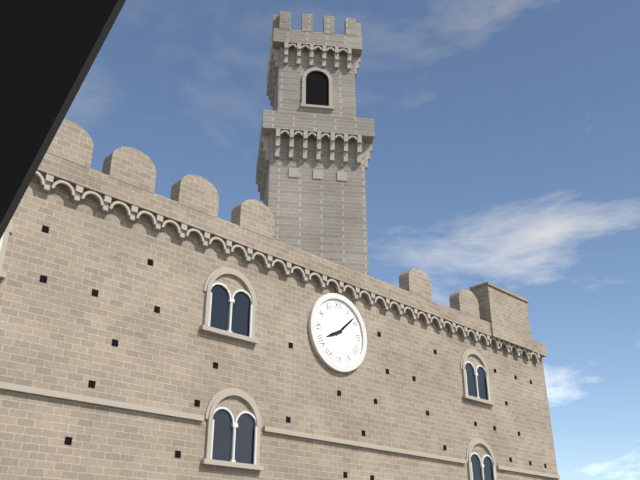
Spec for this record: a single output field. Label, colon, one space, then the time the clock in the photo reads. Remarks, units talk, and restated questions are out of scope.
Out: 8:08
